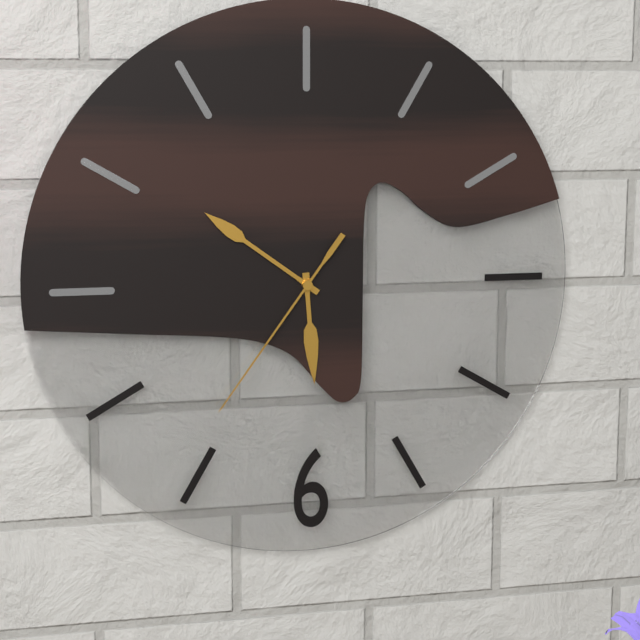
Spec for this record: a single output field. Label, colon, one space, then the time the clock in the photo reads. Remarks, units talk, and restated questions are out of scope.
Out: 5:51:36
